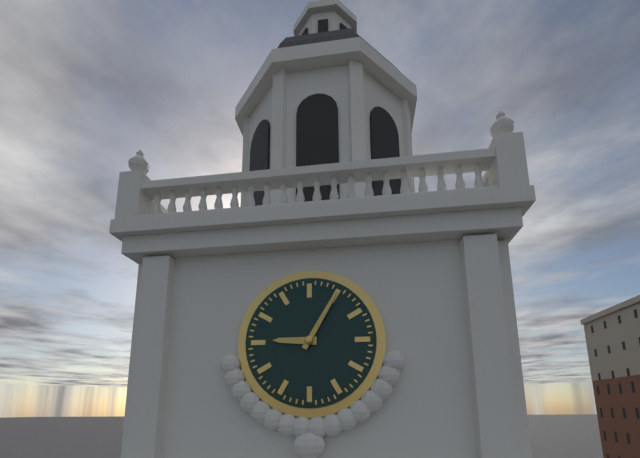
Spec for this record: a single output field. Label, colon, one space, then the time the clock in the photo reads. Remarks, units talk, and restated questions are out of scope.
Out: 9:05
